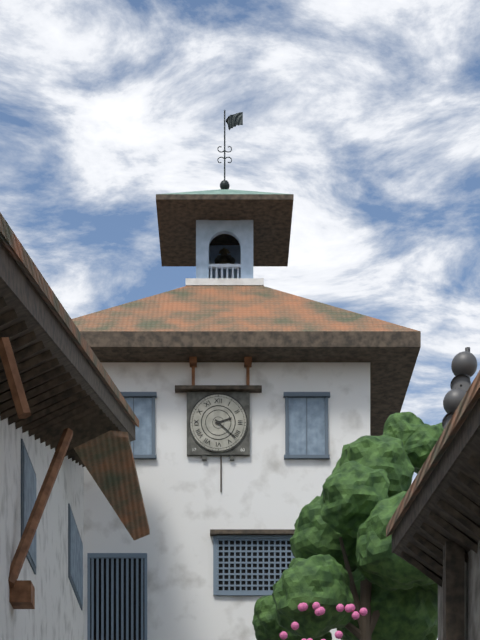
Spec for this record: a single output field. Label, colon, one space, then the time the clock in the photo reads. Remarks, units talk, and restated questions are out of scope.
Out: 2:22
